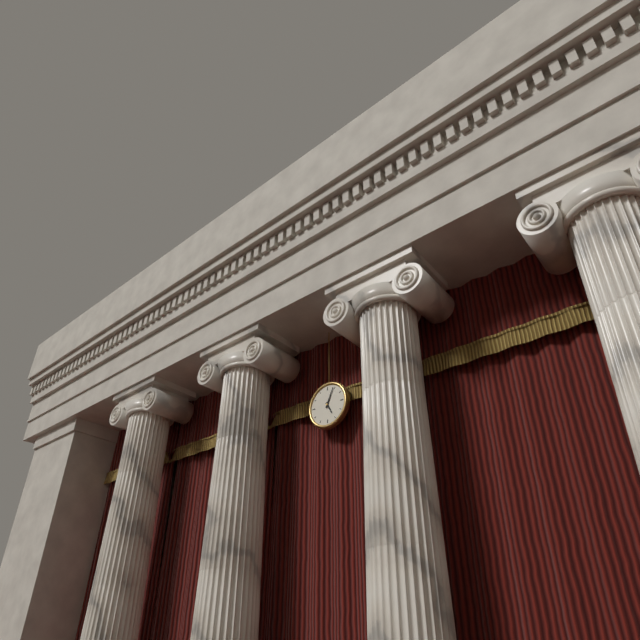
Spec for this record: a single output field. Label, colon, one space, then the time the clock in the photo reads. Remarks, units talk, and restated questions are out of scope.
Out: 5:04
